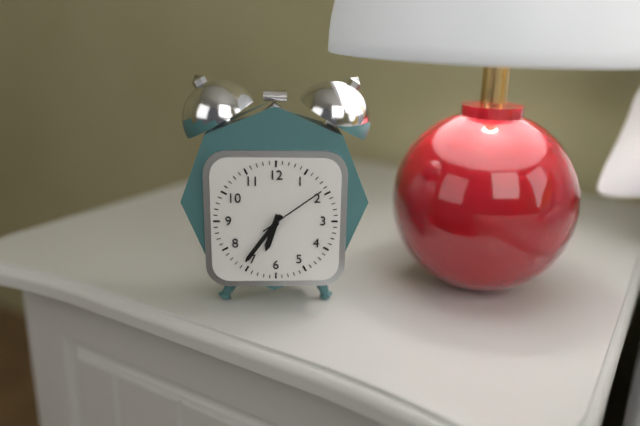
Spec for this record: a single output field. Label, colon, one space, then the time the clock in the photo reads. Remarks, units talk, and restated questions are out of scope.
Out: 6:36:09
